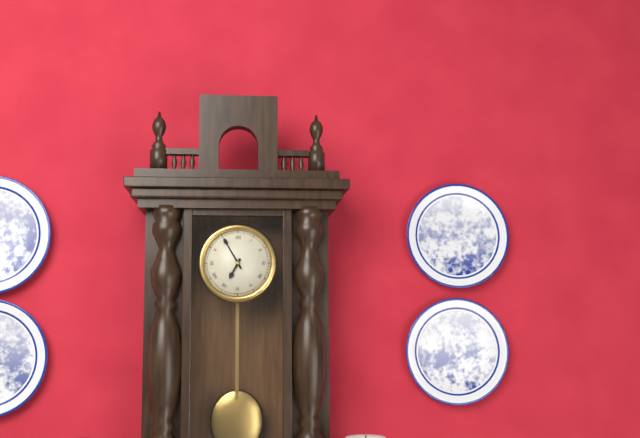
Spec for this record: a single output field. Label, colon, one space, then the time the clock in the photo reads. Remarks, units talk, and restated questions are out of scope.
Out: 6:55
